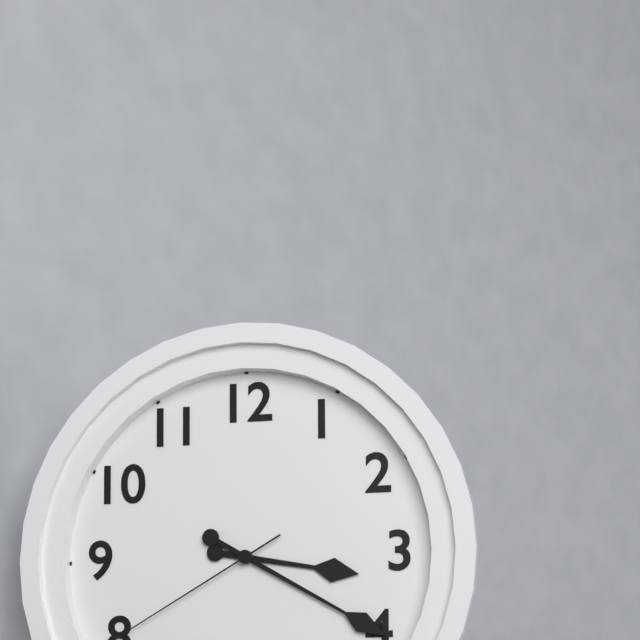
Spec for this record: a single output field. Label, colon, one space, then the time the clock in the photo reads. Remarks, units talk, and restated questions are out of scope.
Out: 3:20
